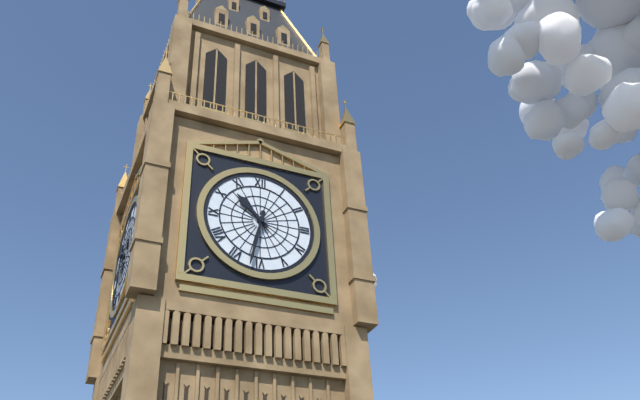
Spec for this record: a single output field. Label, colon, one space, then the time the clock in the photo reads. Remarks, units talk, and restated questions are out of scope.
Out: 10:32
